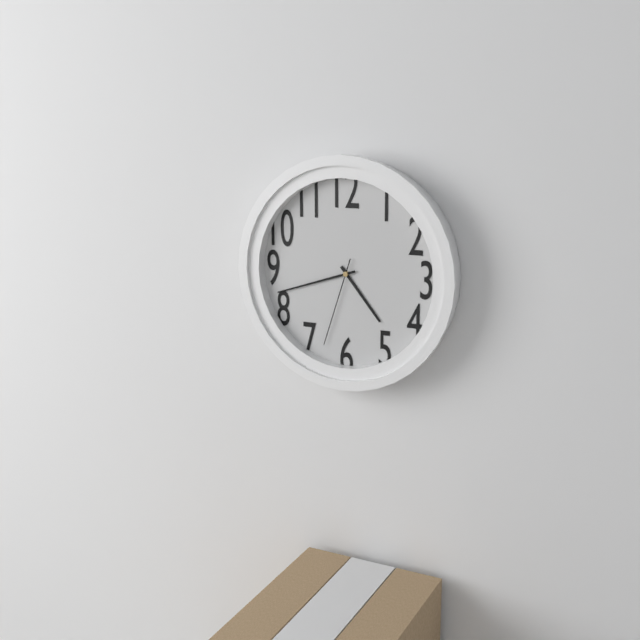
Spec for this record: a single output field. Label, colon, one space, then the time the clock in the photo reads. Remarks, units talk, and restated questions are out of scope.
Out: 4:42:33
